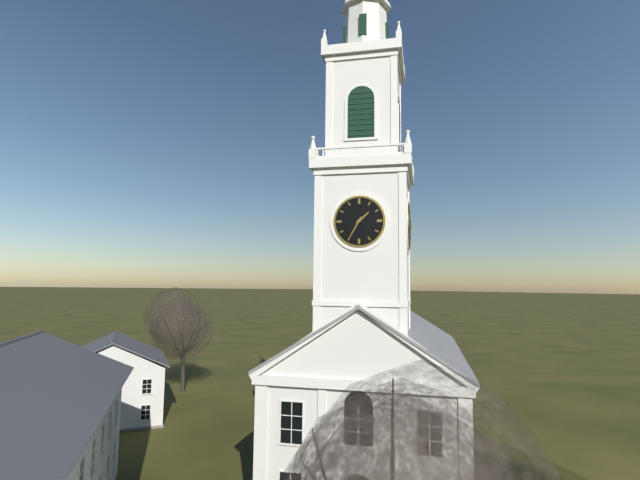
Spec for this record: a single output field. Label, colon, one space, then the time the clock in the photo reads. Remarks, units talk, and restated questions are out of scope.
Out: 1:35
